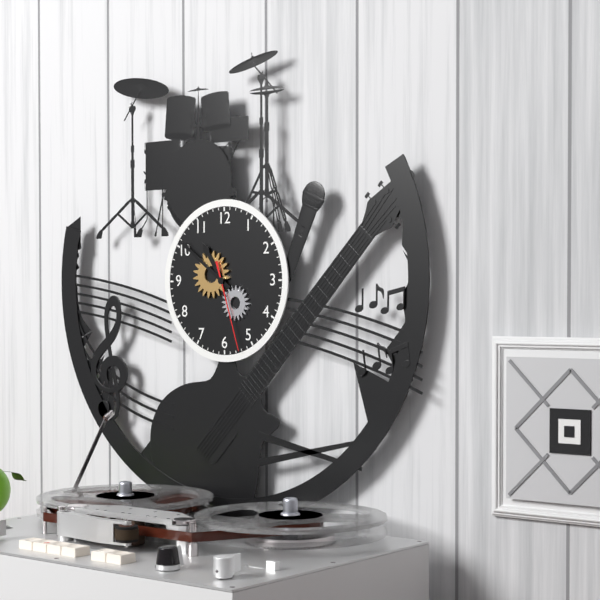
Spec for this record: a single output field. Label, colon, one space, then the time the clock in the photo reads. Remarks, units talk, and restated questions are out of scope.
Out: 10:51:27
